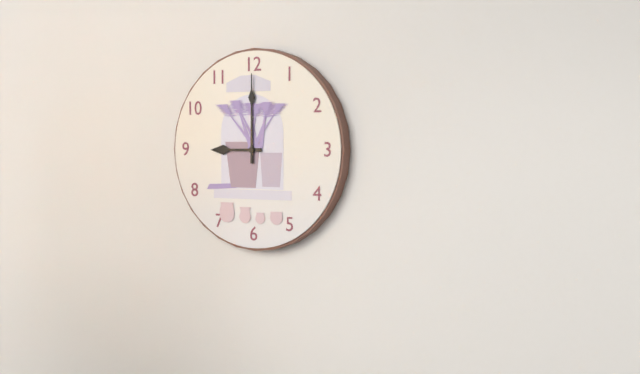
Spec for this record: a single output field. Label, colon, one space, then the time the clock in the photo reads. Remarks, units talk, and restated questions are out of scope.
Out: 9:00
